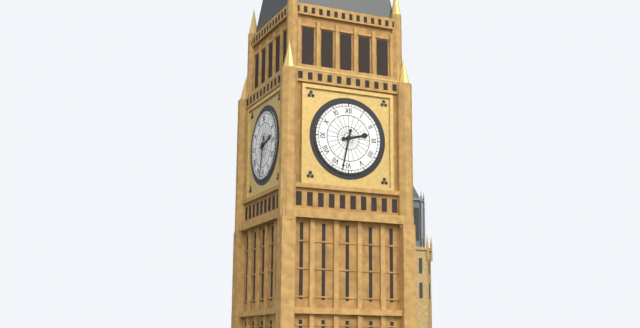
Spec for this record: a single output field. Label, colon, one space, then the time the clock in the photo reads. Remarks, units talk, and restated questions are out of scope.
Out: 2:32
